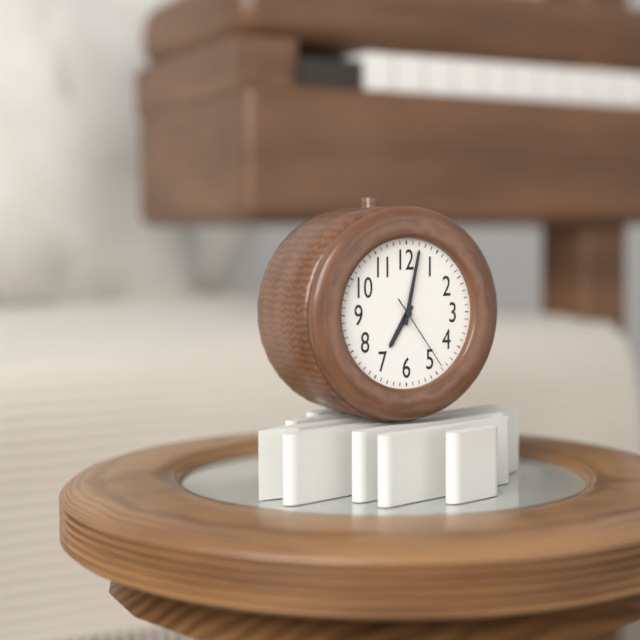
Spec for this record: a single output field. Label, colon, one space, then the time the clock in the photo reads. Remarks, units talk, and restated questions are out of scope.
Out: 7:02:24
